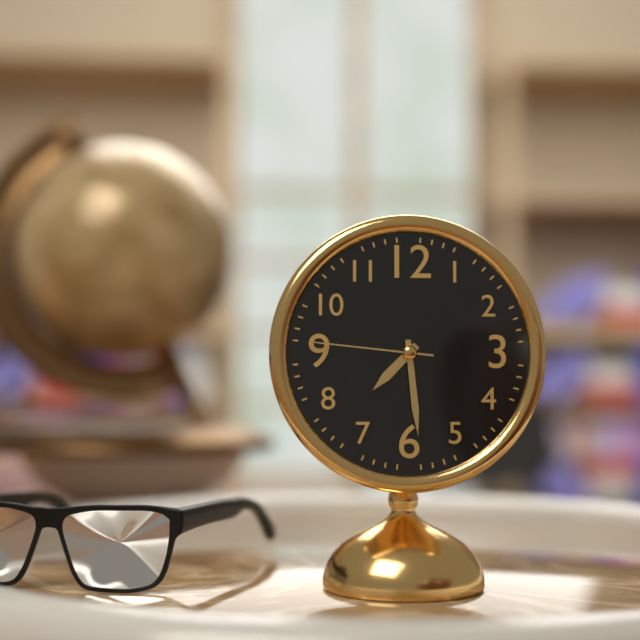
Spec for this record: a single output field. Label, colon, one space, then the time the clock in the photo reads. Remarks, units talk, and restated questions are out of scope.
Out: 7:29:46
